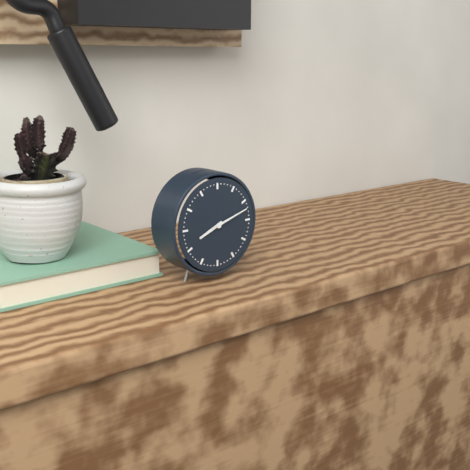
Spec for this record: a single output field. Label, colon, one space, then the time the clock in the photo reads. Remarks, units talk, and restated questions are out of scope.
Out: 8:12
